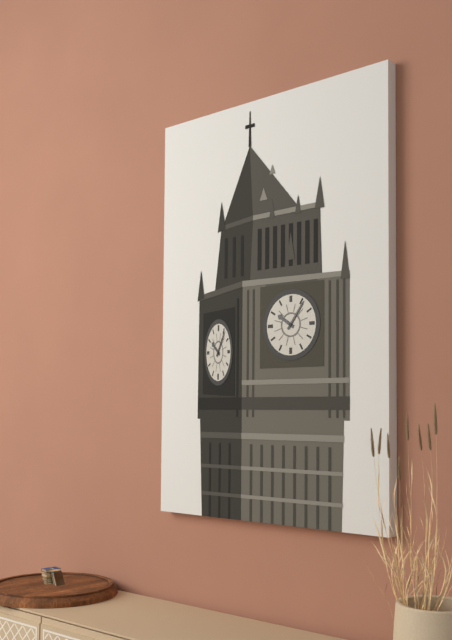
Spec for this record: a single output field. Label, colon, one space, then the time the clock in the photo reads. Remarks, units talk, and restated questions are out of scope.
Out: 10:06
